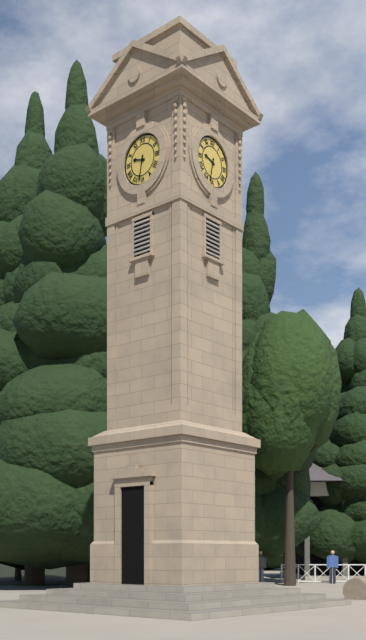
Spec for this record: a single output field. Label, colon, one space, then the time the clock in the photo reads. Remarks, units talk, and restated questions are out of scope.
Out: 9:32
